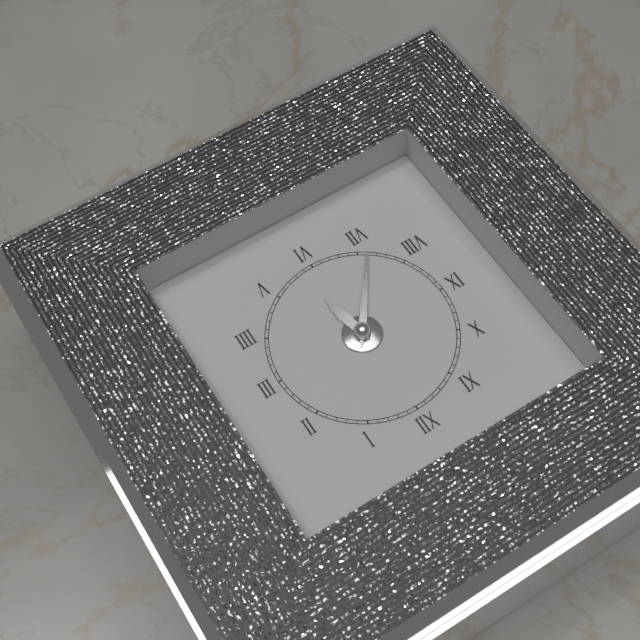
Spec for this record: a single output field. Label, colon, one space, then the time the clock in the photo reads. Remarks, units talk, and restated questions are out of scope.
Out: 5:36
